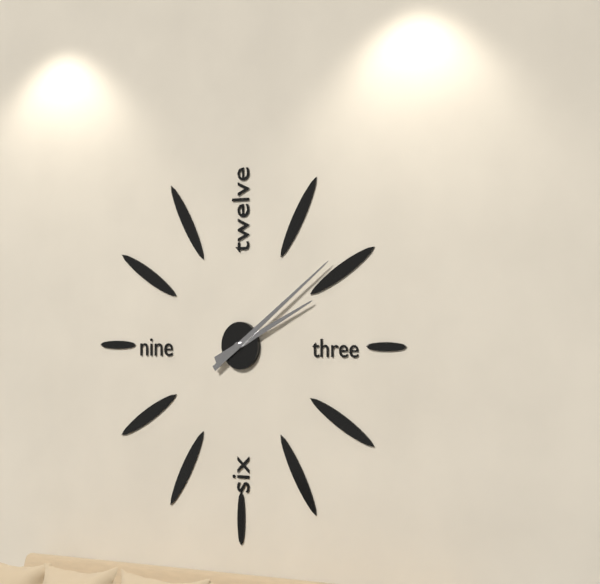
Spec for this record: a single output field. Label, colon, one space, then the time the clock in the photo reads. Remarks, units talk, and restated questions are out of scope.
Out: 2:09
